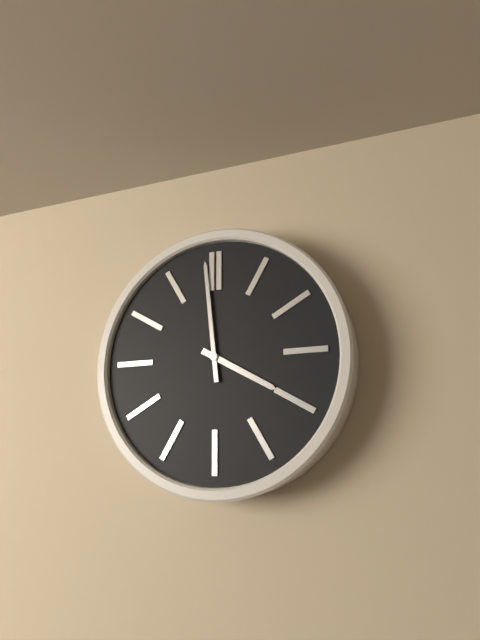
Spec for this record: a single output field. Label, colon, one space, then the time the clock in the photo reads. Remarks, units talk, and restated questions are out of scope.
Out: 3:59
